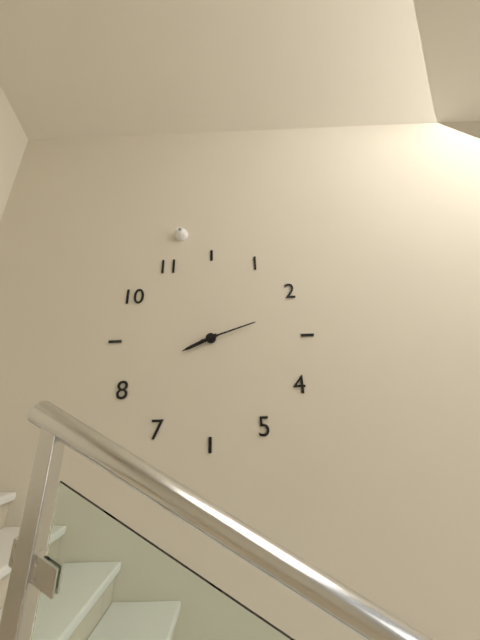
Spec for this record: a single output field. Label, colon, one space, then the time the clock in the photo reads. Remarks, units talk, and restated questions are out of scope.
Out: 8:12
